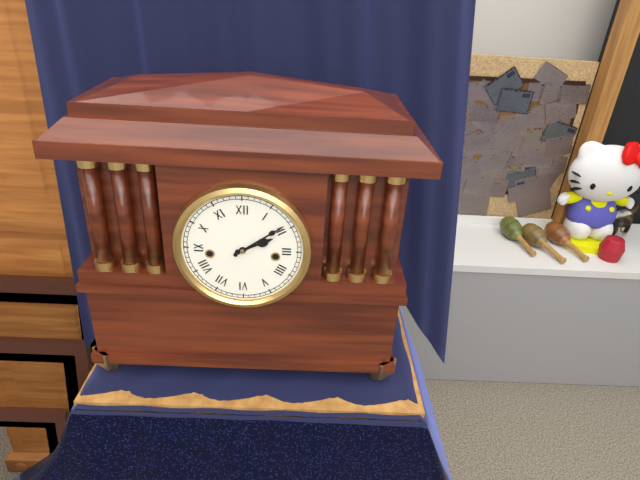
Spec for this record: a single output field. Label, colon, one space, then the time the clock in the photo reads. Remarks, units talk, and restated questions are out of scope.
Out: 2:09
